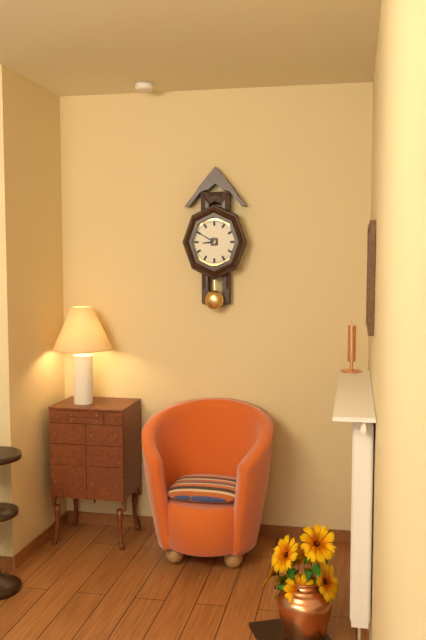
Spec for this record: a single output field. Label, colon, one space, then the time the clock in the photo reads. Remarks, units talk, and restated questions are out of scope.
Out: 8:50
